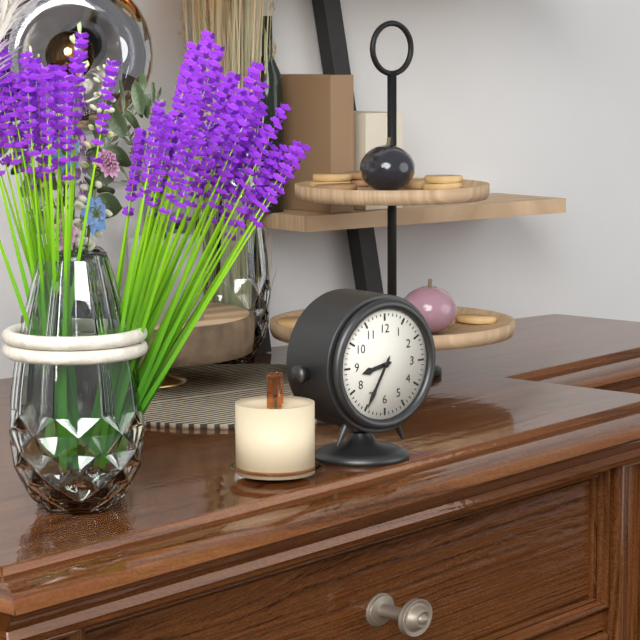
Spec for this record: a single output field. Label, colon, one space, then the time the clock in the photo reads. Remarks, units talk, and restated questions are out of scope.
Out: 8:35
